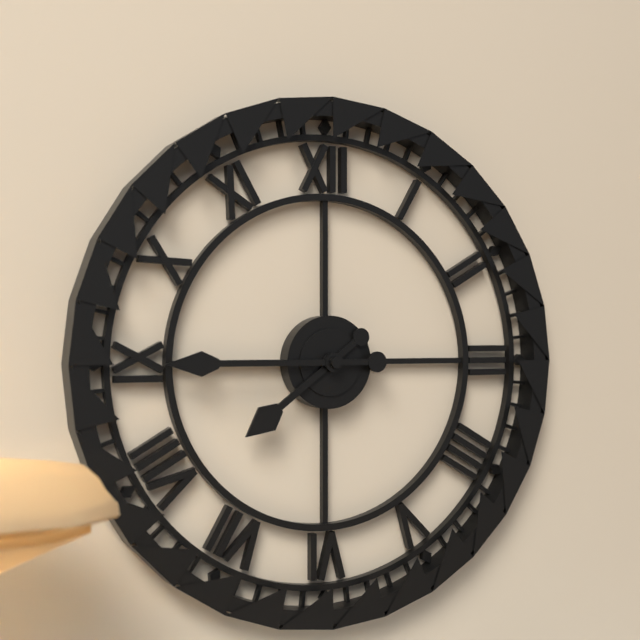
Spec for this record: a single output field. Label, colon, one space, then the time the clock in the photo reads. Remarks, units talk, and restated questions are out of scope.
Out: 7:45
